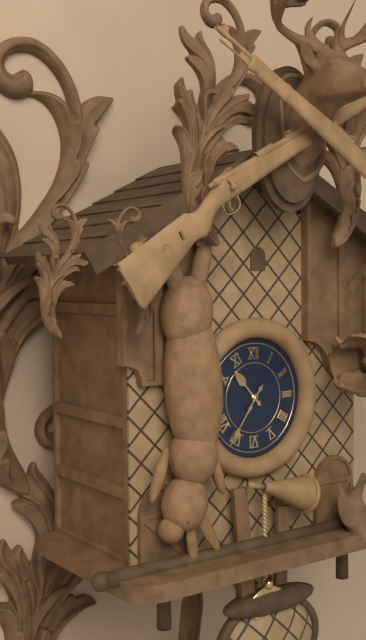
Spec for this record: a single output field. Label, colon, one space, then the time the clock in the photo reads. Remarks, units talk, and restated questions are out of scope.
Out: 10:36
